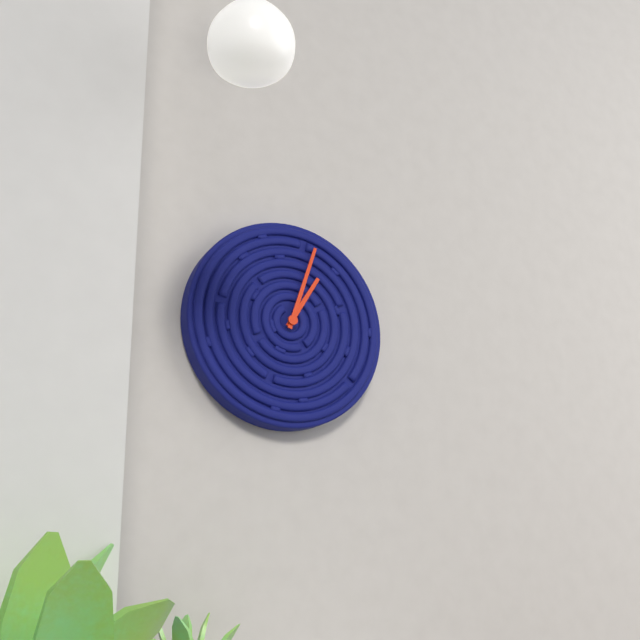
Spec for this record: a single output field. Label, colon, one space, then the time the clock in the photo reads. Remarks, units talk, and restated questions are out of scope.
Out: 1:03
